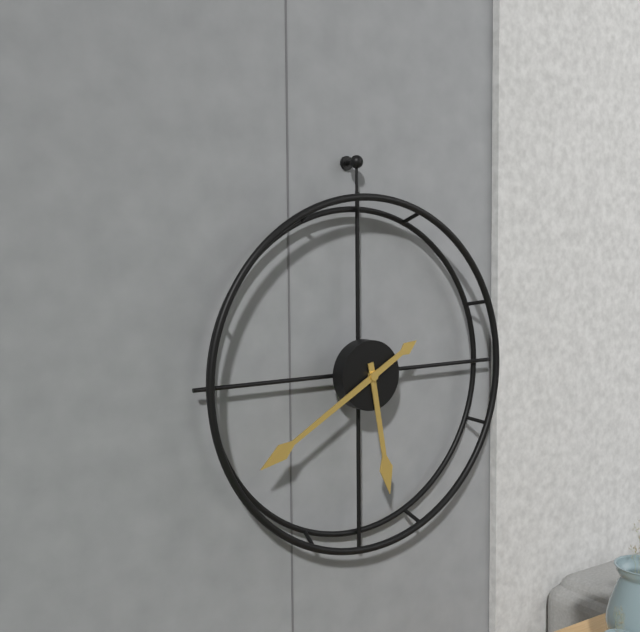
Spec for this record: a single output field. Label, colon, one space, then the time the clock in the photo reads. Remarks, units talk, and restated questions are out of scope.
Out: 5:40
